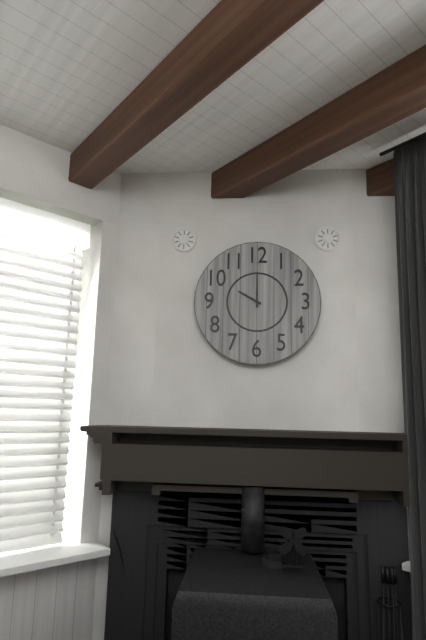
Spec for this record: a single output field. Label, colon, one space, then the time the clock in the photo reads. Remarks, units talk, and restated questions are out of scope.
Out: 10:00
